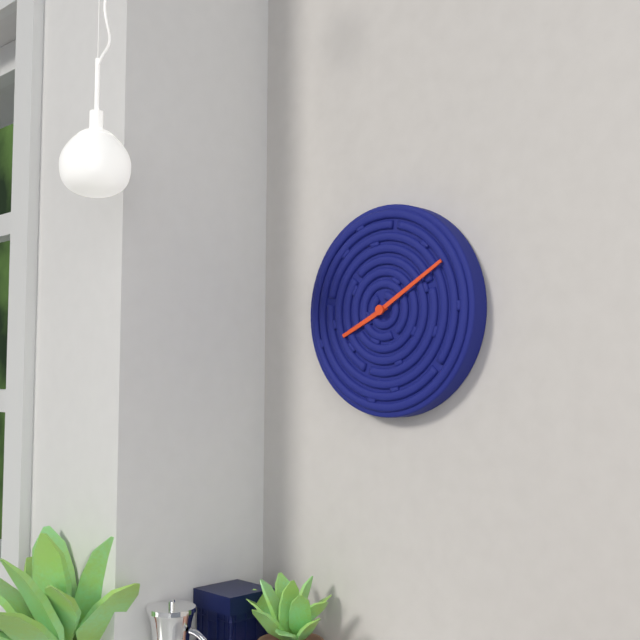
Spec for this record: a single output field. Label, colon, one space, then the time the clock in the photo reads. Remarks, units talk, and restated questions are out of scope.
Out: 8:10
